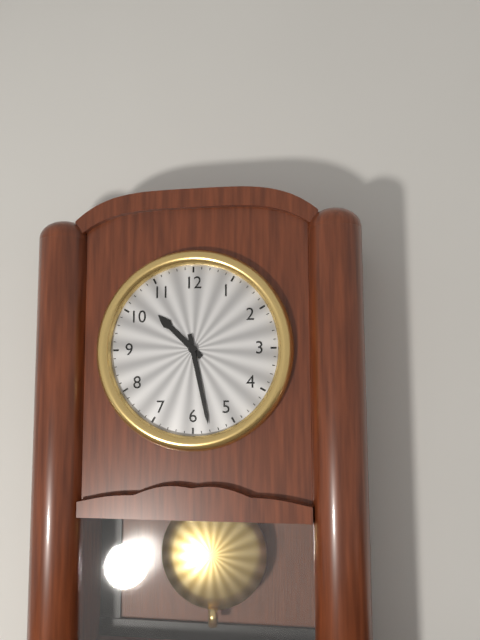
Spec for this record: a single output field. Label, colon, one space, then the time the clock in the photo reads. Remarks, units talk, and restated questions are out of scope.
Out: 10:28
